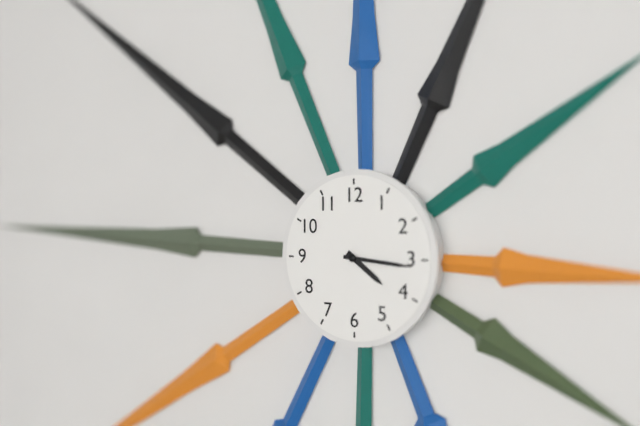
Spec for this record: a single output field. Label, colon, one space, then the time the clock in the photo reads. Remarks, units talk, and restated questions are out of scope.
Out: 4:16
